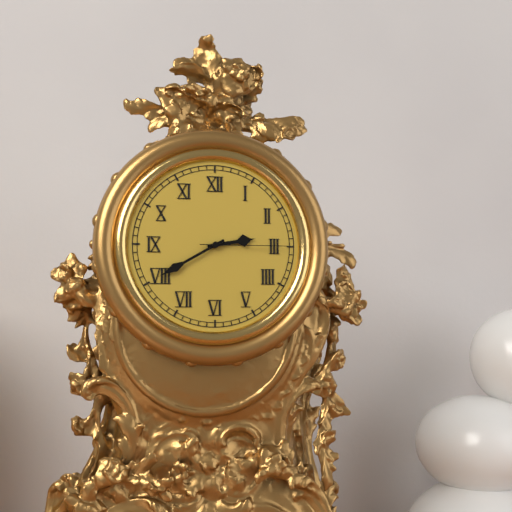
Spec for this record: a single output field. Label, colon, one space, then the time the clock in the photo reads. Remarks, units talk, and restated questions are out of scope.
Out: 2:40:15
